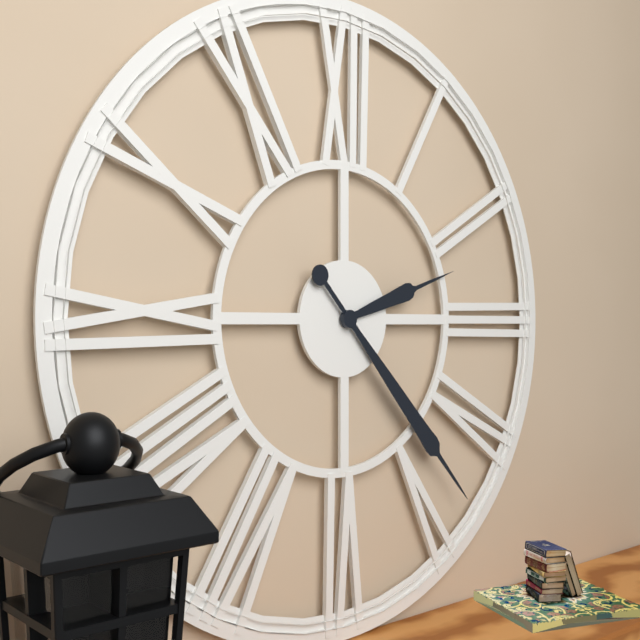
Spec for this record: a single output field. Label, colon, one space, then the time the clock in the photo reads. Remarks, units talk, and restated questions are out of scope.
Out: 2:23
